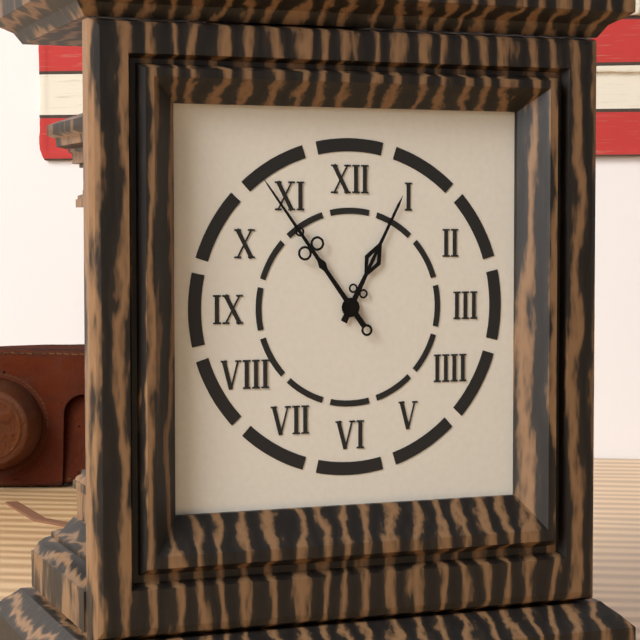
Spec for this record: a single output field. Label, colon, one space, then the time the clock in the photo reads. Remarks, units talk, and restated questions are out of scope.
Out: 12:54
